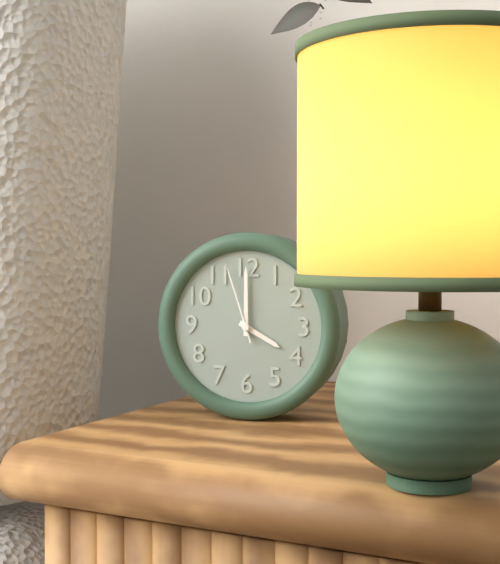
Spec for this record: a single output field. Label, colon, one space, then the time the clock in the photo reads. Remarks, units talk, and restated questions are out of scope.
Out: 4:00:57
